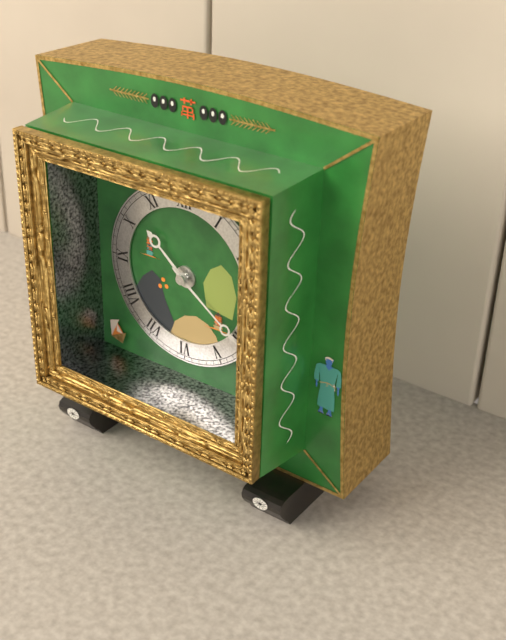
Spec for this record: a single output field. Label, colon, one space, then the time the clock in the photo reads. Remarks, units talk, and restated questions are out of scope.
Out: 10:21
